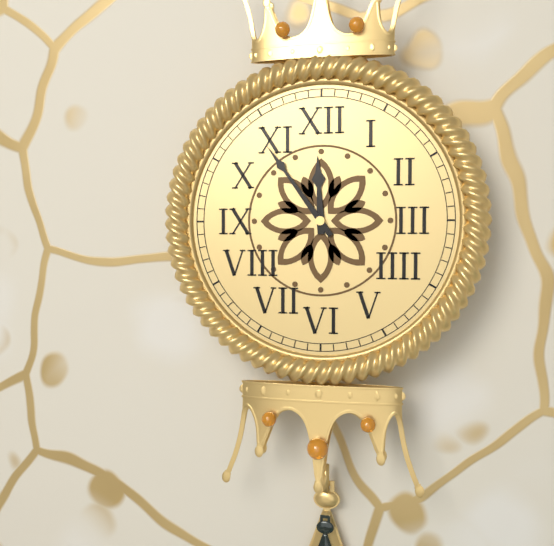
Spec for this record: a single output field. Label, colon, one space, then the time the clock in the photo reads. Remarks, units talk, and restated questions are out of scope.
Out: 11:54
